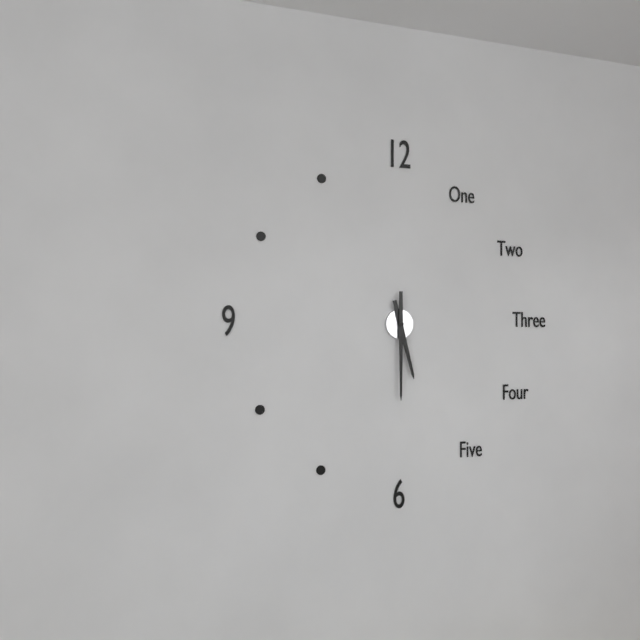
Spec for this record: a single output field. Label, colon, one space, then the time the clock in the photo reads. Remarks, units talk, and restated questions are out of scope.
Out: 5:30
